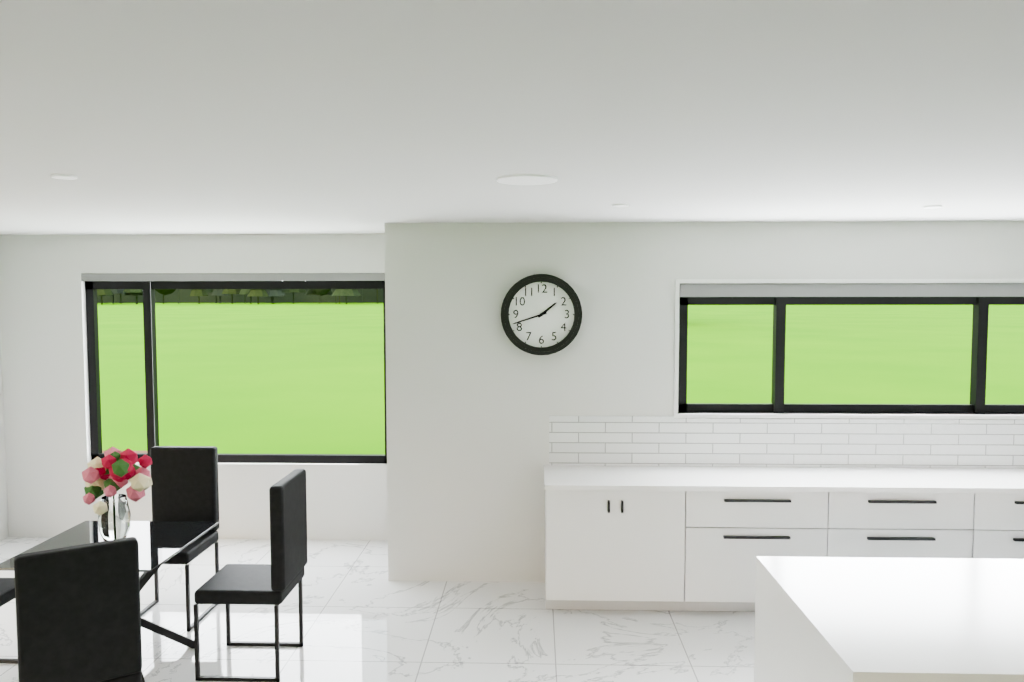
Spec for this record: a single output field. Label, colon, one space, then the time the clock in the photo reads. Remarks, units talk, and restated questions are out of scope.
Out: 1:42
